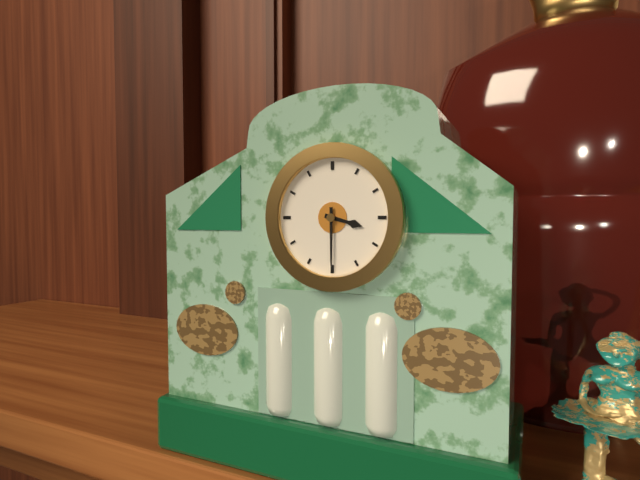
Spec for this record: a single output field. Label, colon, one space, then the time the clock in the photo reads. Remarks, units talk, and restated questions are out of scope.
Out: 3:30
